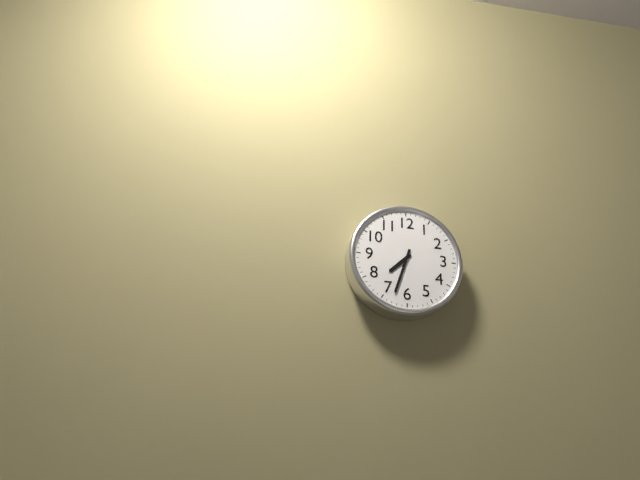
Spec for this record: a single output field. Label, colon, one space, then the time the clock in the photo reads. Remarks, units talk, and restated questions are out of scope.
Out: 7:33
